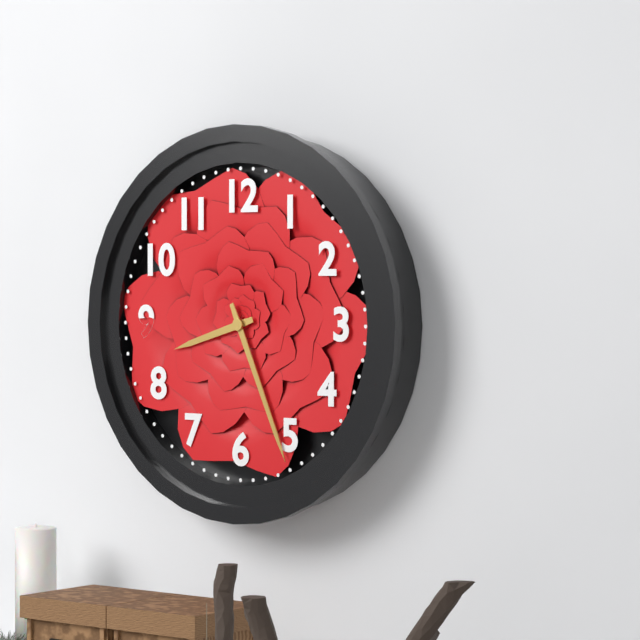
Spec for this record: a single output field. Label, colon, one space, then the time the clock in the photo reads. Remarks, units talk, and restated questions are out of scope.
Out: 8:26
